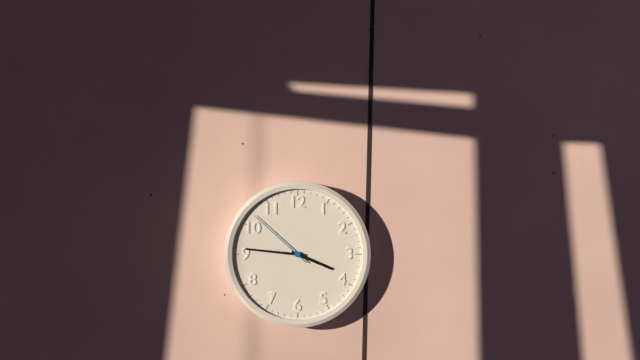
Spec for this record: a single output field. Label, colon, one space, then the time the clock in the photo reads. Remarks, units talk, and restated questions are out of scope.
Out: 3:46:52
